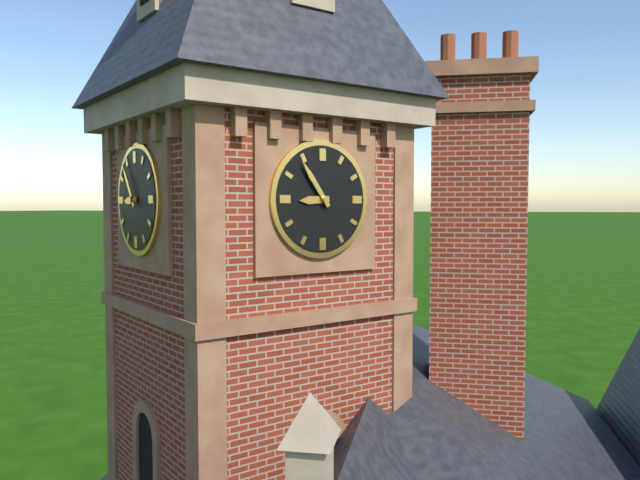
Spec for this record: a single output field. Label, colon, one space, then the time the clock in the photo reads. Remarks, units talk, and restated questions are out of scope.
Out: 8:54
